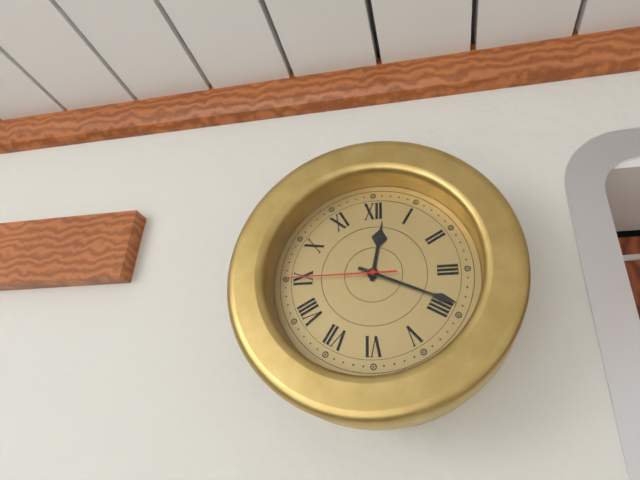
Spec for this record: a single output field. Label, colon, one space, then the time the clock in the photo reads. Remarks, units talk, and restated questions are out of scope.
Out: 12:19:45
